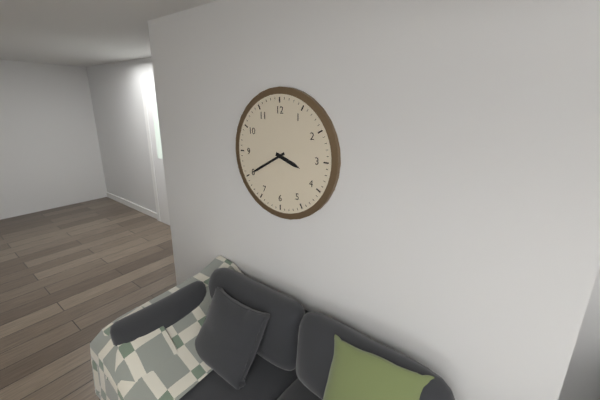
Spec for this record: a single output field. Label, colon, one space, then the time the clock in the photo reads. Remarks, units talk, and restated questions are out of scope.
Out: 3:40
